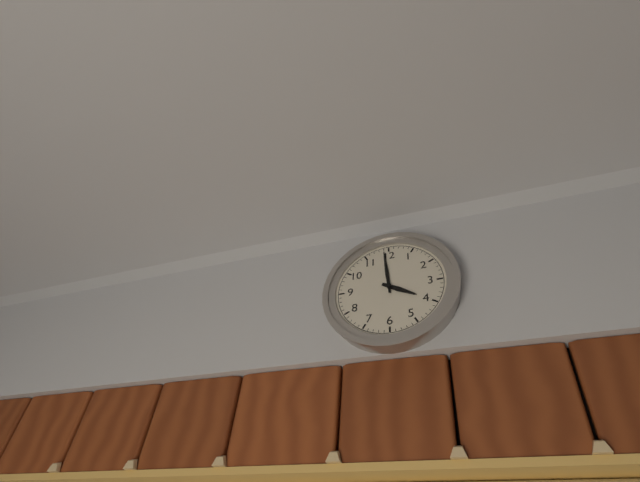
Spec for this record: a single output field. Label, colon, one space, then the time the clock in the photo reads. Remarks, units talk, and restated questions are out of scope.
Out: 3:59
